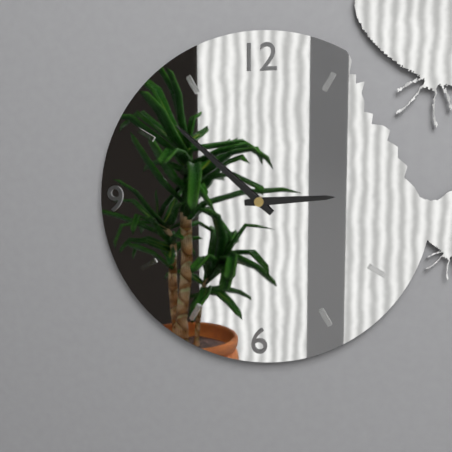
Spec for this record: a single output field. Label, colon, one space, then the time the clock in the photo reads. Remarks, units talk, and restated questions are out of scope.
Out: 2:52
